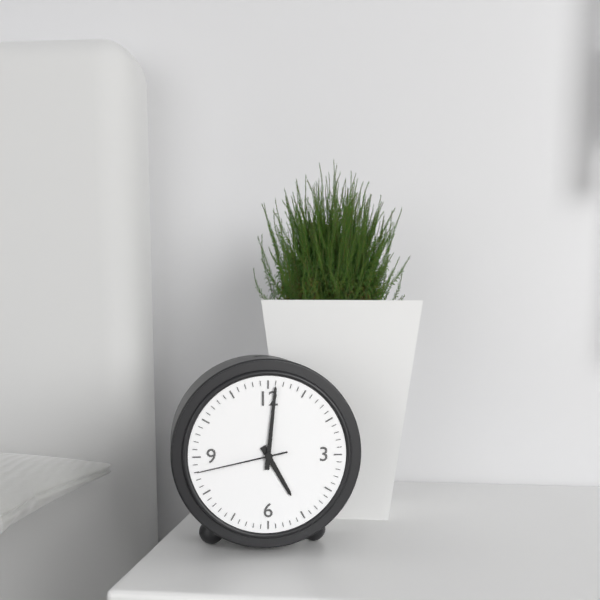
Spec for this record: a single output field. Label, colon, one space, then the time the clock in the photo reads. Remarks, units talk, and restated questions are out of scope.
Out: 5:01:43
